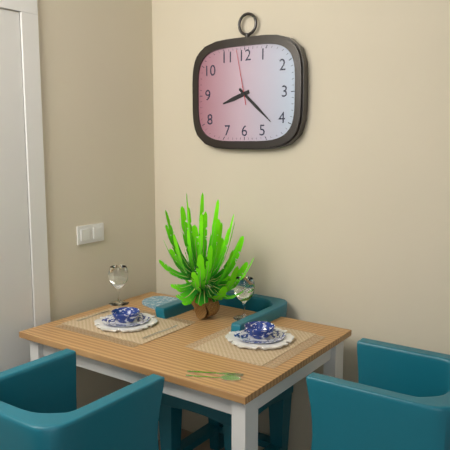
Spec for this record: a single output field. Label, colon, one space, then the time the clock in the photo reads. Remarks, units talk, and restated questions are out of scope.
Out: 8:22:58
